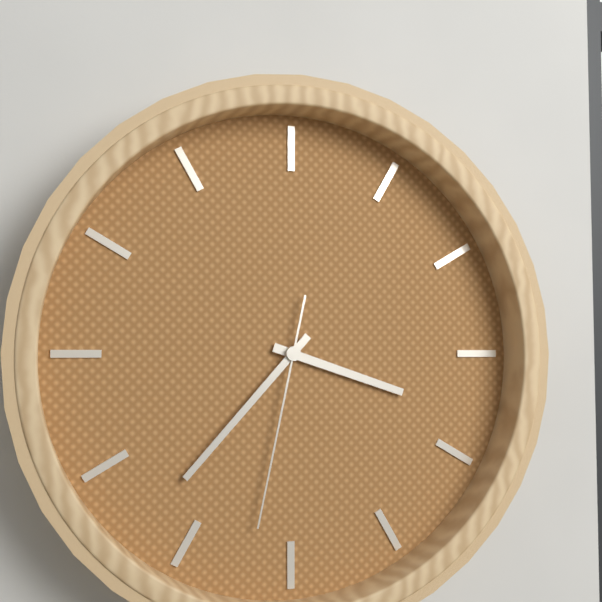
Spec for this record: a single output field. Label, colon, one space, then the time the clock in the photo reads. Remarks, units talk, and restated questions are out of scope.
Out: 3:37:32
